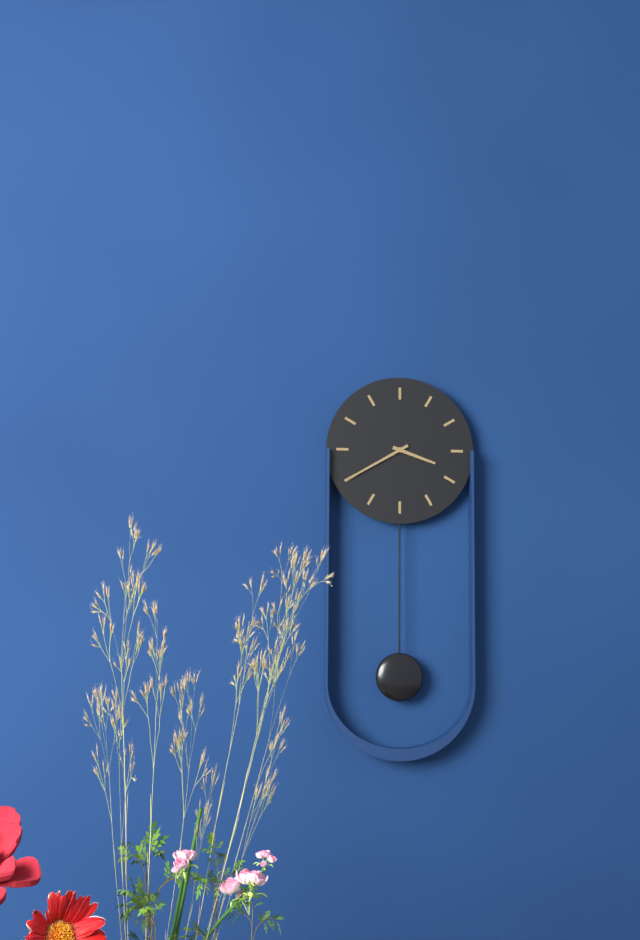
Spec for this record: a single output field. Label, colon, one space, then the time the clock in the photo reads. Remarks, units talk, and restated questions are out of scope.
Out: 3:40
